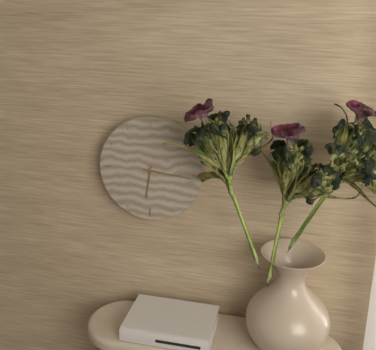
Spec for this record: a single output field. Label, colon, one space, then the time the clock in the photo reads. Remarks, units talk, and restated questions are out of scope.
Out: 6:16
